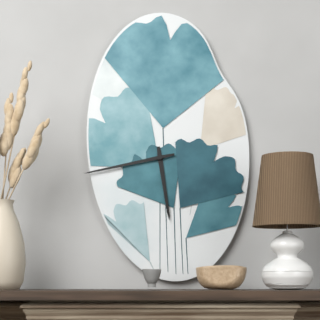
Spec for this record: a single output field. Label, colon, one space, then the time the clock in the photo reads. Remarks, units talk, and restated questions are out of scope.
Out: 5:43
